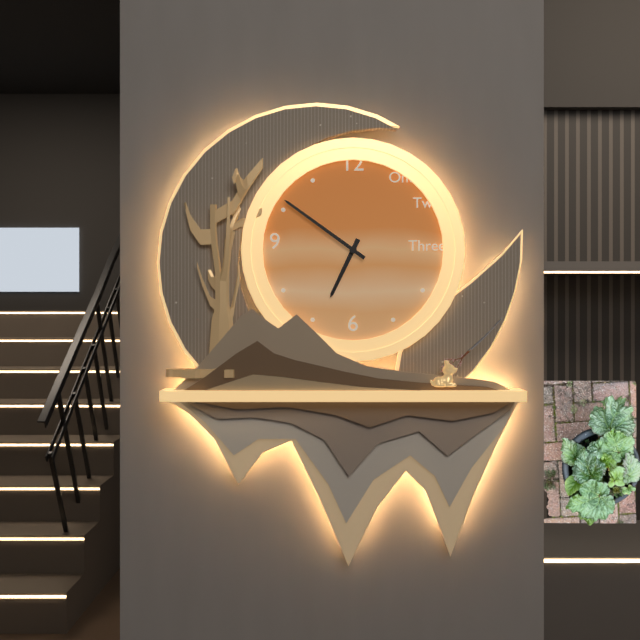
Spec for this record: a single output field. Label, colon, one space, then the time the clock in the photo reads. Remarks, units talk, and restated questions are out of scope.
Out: 6:51
